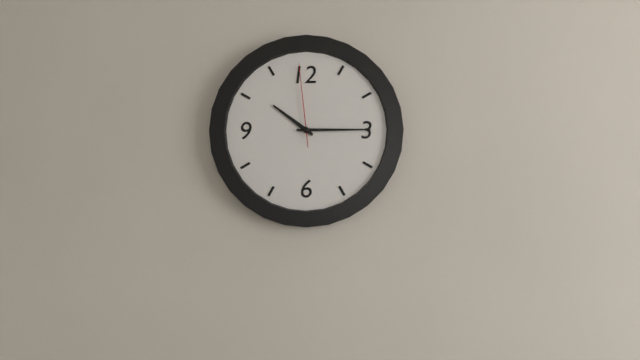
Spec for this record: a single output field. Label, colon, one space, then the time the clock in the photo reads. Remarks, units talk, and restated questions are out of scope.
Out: 10:15:59
